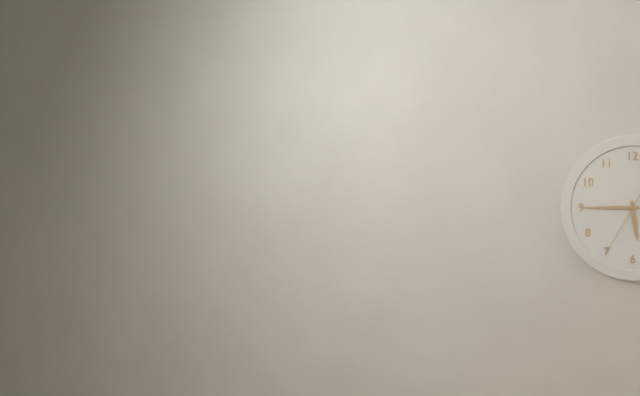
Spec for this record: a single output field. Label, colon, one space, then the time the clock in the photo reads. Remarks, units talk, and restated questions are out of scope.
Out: 5:45:35
